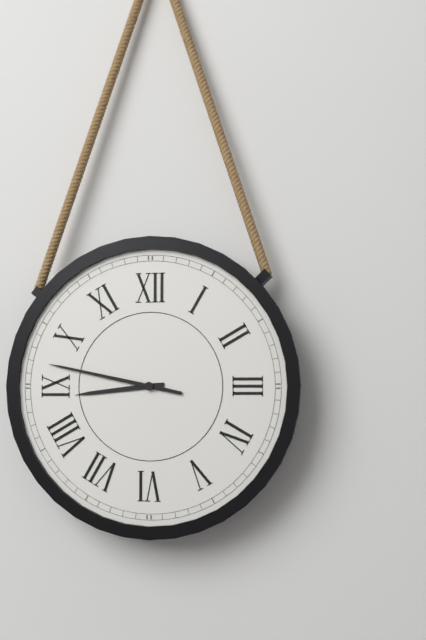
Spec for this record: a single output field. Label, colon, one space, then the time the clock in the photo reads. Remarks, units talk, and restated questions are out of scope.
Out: 8:47
